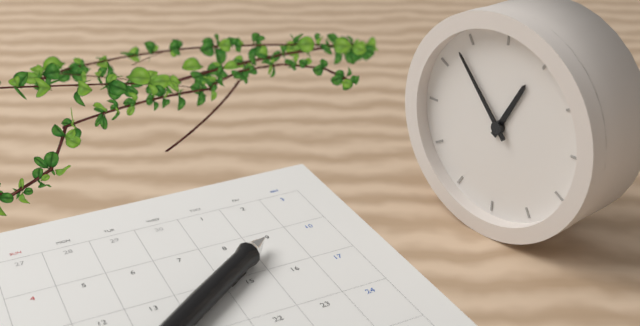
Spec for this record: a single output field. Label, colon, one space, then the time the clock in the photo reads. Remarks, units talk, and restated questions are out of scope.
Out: 12:53
